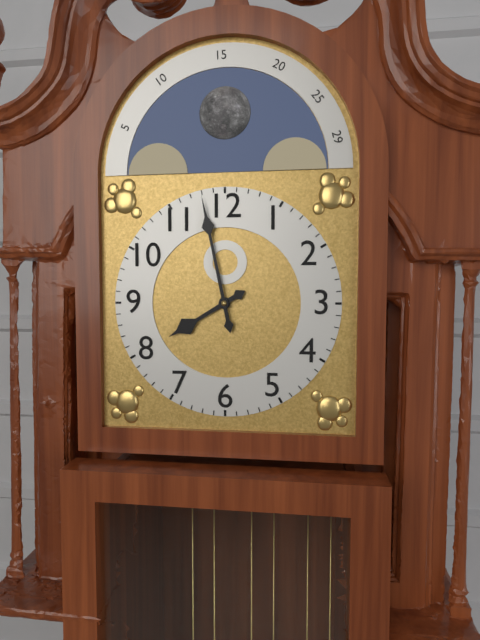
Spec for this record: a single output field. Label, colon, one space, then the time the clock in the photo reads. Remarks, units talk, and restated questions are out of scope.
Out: 7:58
